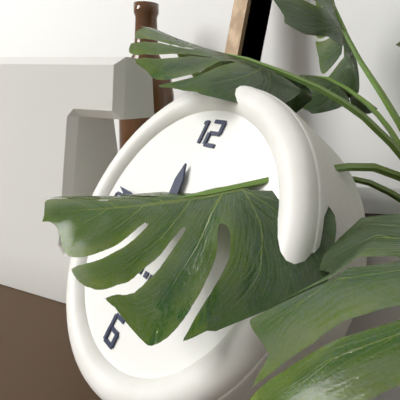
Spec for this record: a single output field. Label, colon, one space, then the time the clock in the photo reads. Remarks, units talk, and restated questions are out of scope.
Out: 11:47
